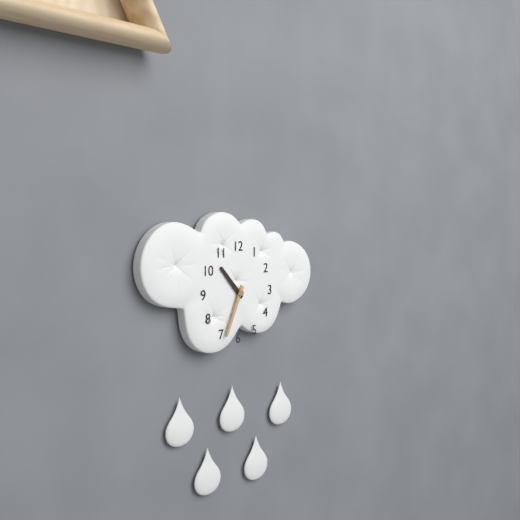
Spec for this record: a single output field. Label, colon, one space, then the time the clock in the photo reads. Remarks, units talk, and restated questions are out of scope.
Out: 10:34
